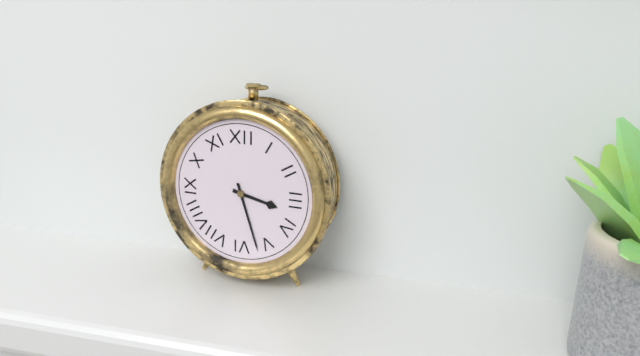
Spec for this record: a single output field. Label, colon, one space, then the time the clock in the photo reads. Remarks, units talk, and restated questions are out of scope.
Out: 3:27
